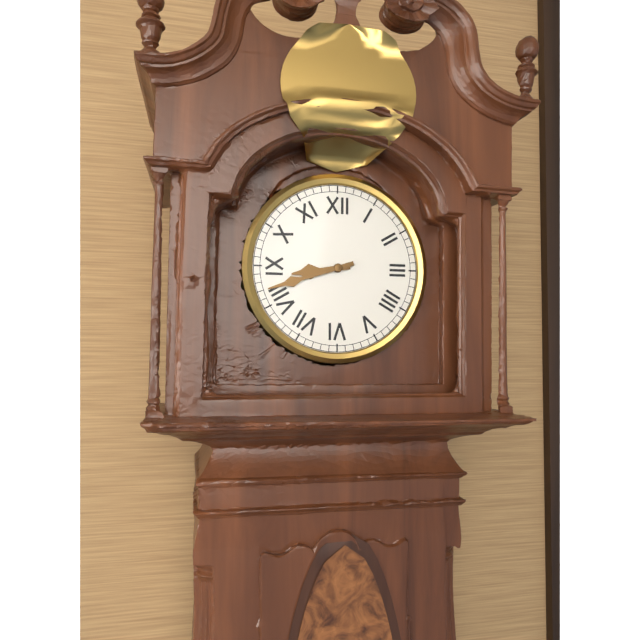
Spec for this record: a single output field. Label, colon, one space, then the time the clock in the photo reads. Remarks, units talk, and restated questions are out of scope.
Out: 8:42
